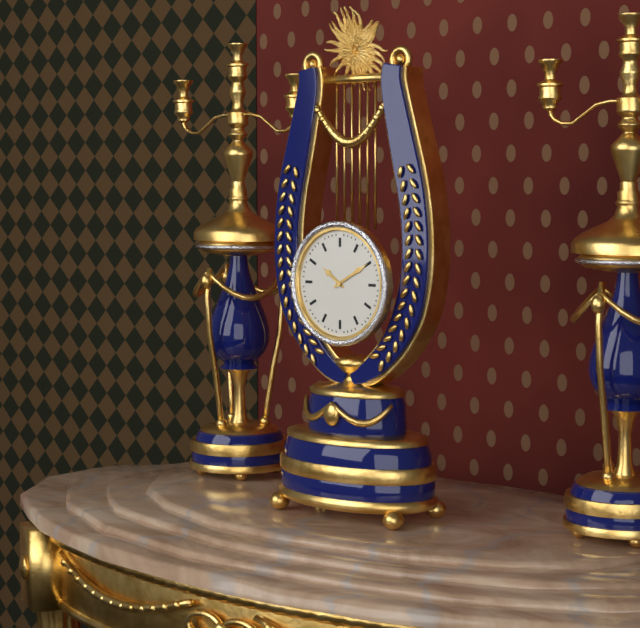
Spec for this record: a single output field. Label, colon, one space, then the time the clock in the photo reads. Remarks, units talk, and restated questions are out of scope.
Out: 10:10
